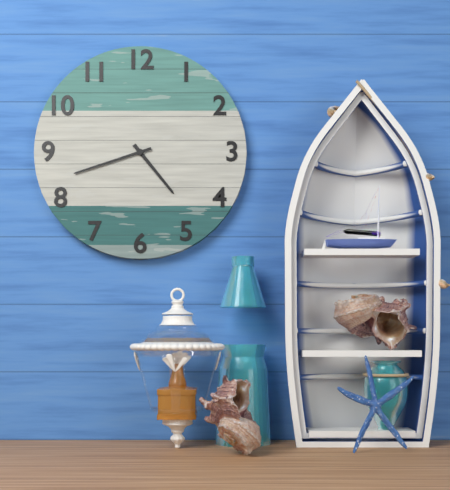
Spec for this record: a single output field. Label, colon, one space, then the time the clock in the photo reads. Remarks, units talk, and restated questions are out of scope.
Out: 4:42
